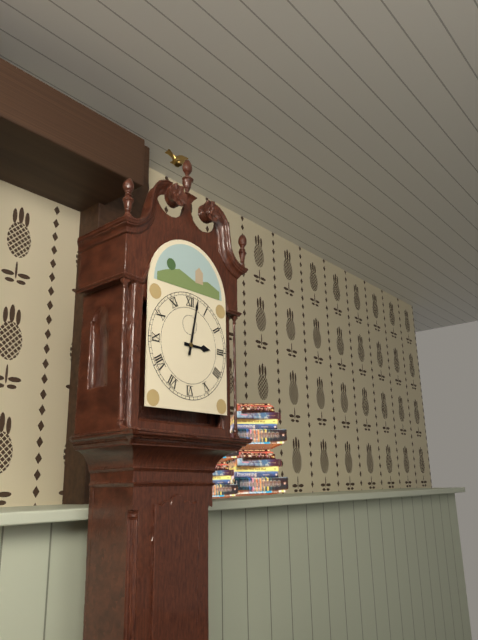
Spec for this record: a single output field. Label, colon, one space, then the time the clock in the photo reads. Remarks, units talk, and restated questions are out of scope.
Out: 3:02
